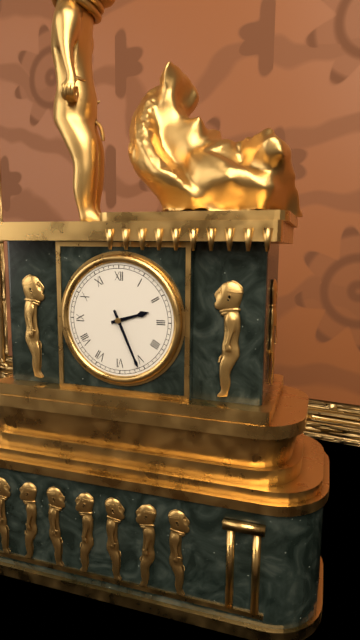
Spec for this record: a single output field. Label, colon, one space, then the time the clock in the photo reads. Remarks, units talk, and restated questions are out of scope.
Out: 2:26
